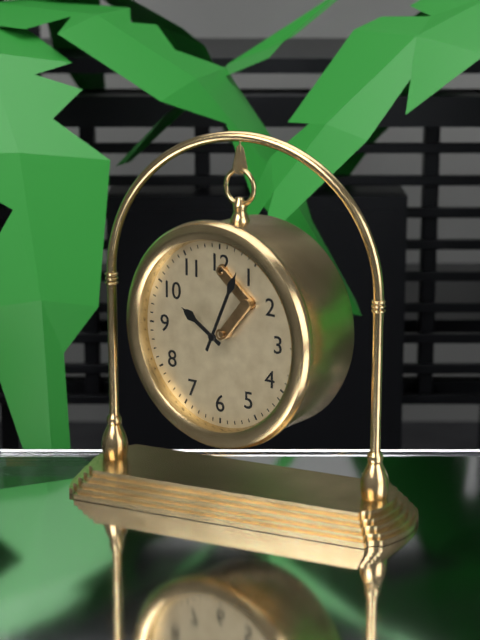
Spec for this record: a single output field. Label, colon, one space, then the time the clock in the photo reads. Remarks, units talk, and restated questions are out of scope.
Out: 10:04
